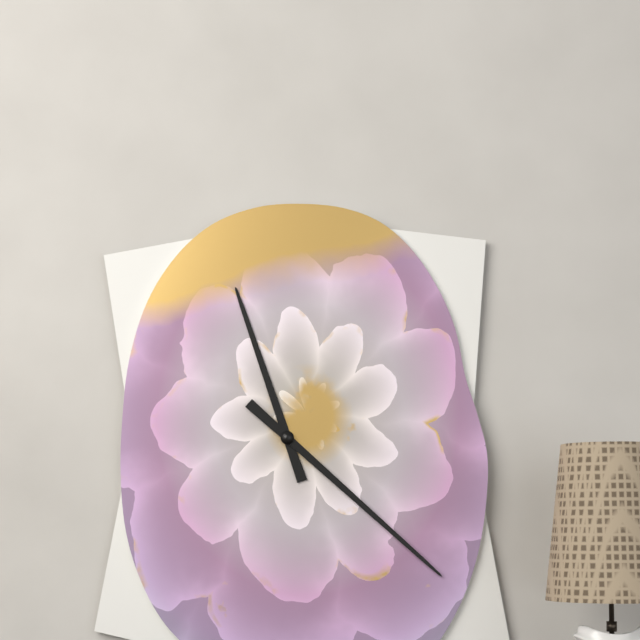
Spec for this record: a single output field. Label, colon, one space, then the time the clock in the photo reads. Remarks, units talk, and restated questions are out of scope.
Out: 11:22
